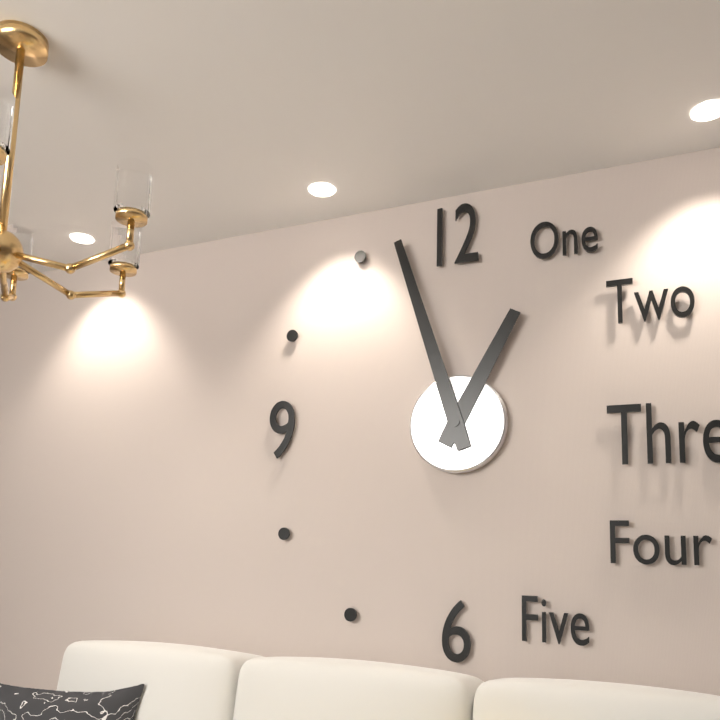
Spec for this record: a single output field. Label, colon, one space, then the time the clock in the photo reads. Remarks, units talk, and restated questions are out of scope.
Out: 12:57
